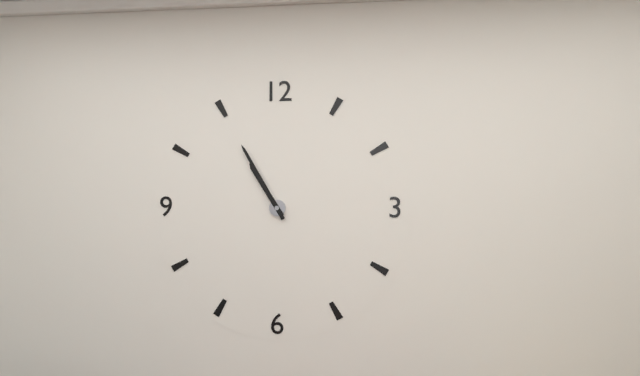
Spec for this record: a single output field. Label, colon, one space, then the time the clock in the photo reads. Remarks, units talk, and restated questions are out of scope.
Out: 10:55
